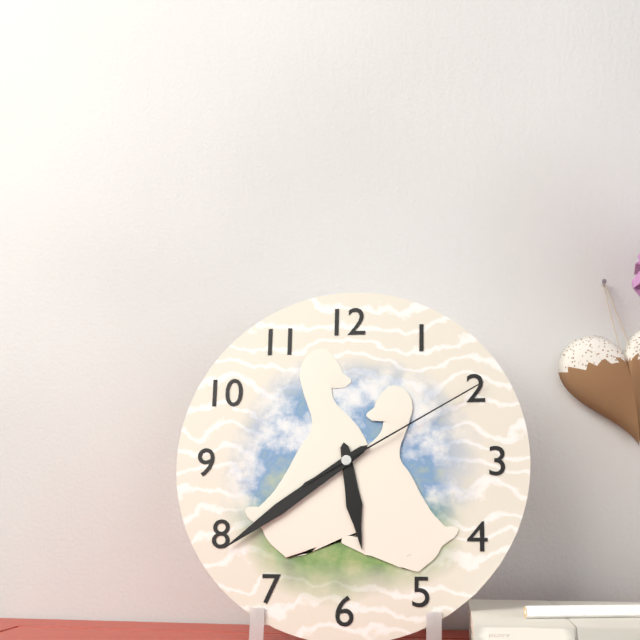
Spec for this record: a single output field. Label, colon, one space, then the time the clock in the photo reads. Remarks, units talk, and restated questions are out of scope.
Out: 5:39:10
